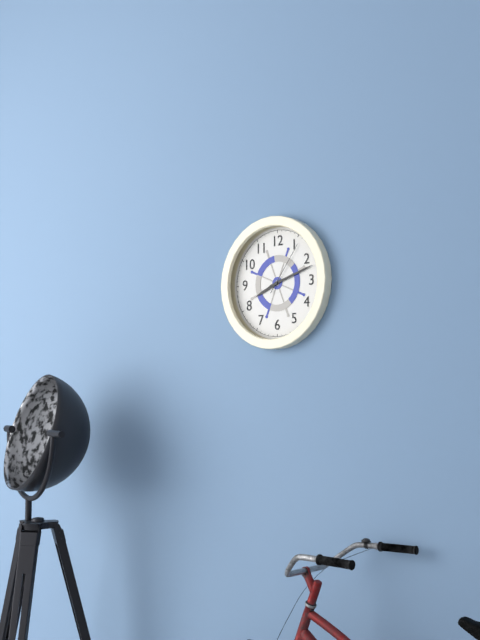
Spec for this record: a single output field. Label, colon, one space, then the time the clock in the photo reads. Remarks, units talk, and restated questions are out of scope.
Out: 8:12:06
